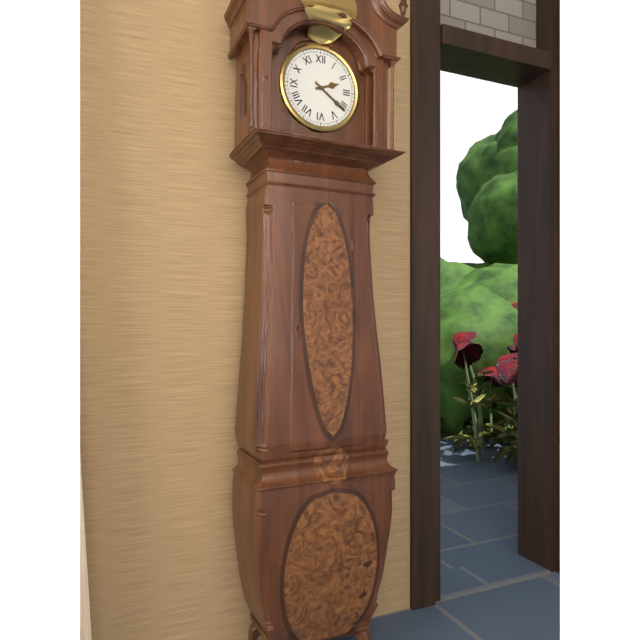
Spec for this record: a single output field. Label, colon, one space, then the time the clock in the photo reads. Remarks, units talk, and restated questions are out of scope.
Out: 2:21
